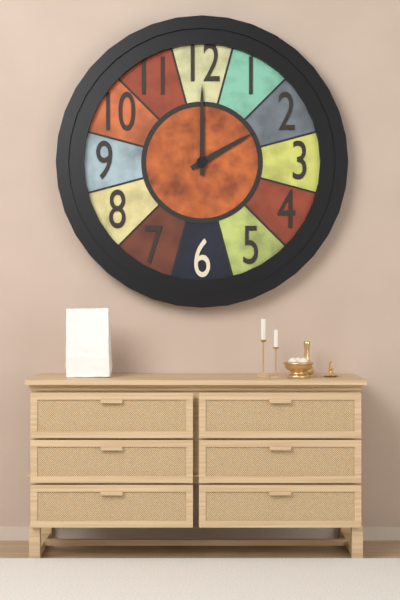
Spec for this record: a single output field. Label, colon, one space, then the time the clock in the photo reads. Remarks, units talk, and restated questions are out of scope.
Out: 2:00
